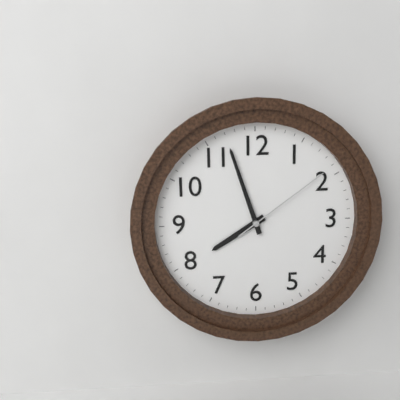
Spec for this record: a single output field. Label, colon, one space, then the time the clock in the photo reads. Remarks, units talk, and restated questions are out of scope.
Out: 7:57:09
